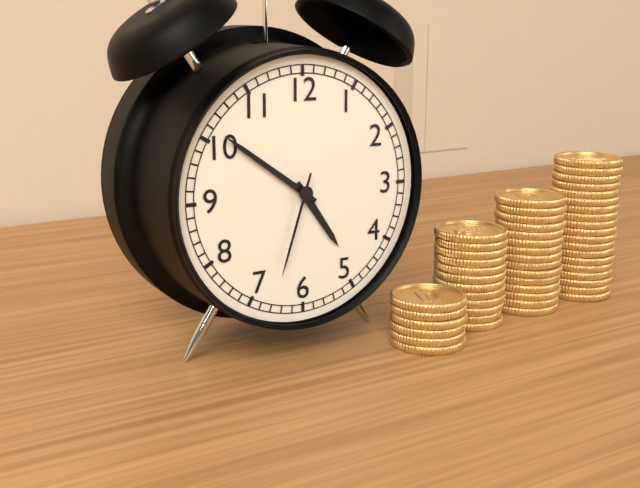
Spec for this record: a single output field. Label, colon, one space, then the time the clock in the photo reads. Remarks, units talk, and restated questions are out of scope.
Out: 4:51:33
